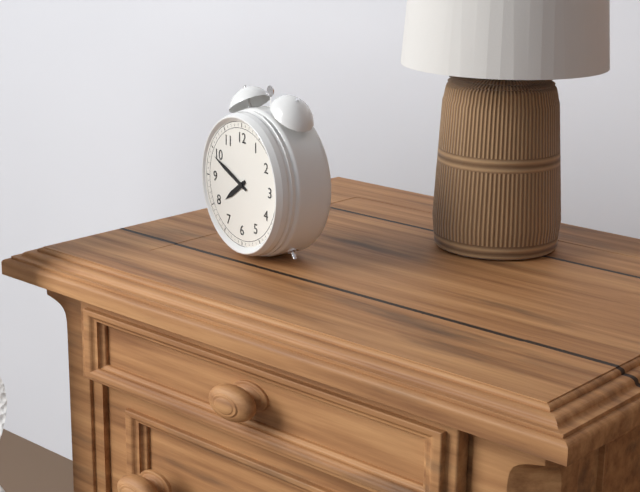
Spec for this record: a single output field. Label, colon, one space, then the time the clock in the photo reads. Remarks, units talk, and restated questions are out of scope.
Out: 7:49
